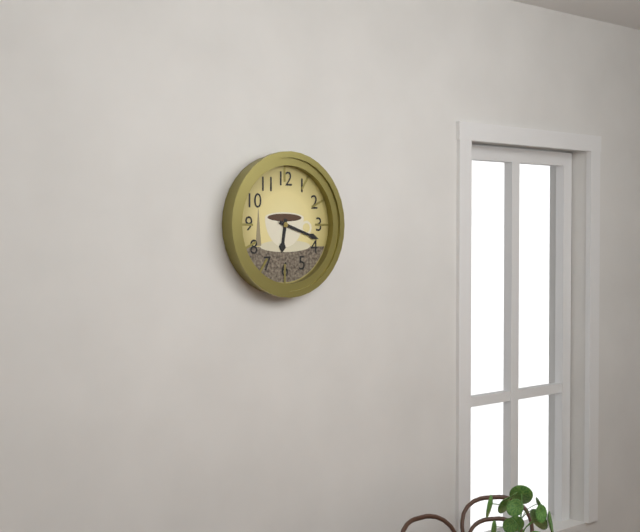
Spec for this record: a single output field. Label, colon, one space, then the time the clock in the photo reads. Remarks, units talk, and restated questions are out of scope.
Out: 6:18
